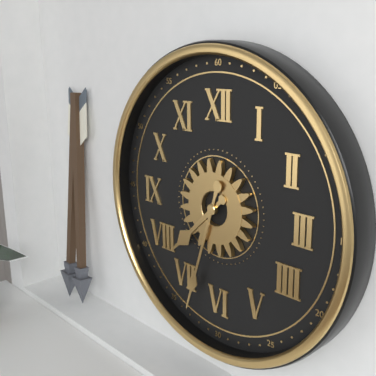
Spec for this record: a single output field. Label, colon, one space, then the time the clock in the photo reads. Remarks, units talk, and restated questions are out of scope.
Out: 7:33
